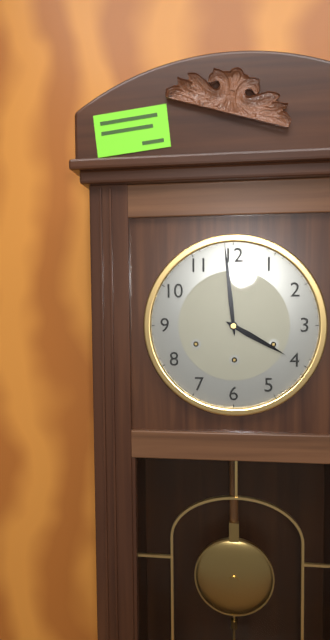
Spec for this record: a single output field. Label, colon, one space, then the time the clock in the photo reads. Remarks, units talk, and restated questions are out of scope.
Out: 3:59
